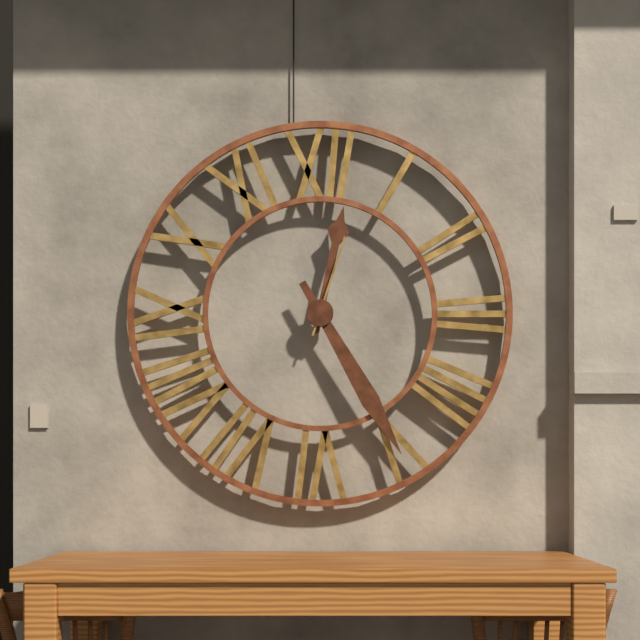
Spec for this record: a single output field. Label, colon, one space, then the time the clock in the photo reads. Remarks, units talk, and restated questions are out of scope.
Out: 12:25:03
